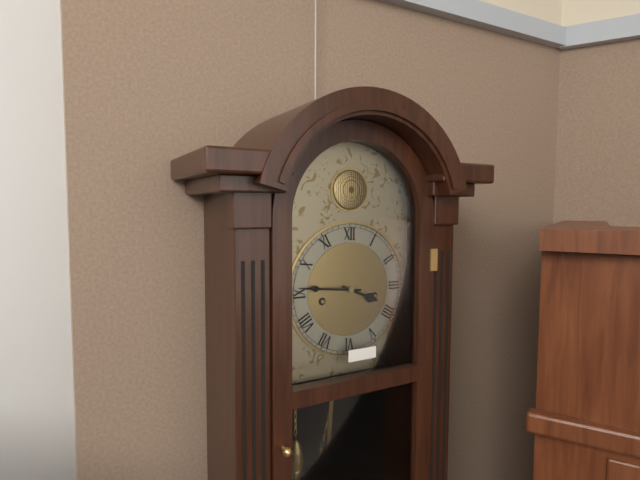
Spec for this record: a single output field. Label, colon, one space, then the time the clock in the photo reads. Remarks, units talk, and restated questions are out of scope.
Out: 3:46
